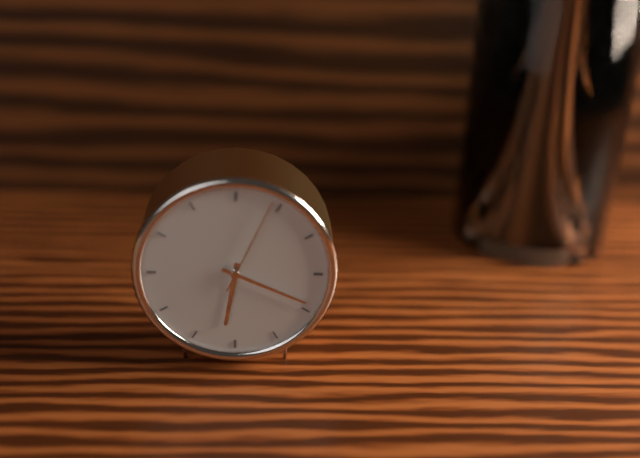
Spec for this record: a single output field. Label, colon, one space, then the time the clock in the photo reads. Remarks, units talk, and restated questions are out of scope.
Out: 6:19:04
